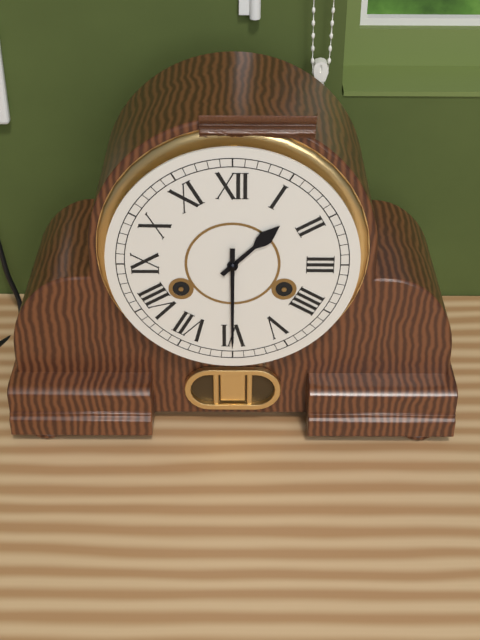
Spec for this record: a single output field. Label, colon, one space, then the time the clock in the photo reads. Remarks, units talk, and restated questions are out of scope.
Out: 1:30
